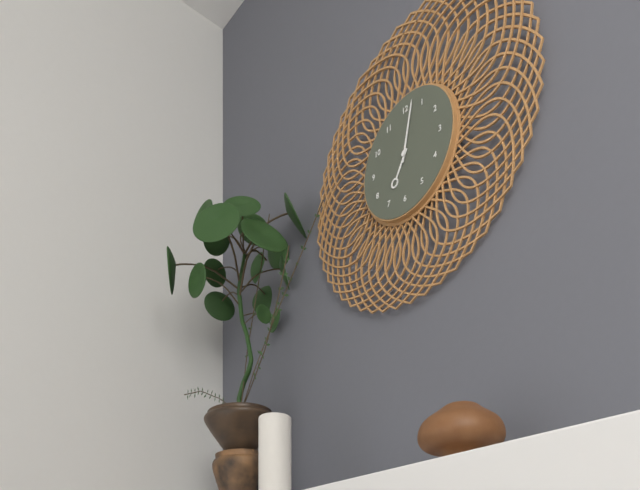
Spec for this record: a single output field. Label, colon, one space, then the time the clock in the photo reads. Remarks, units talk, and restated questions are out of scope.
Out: 7:02
